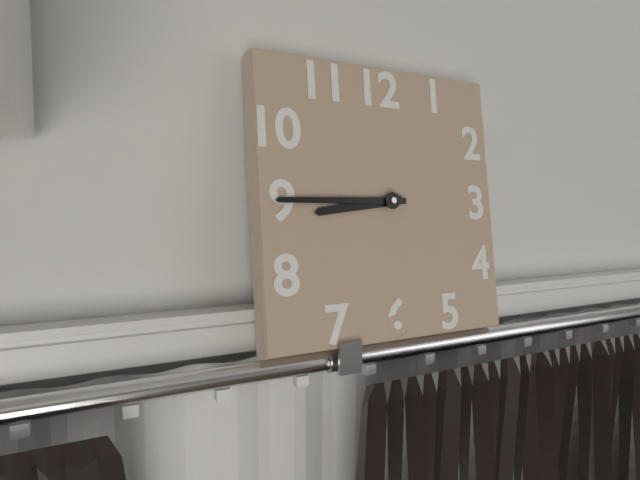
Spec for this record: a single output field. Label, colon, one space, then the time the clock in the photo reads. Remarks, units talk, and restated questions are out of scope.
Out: 8:45
